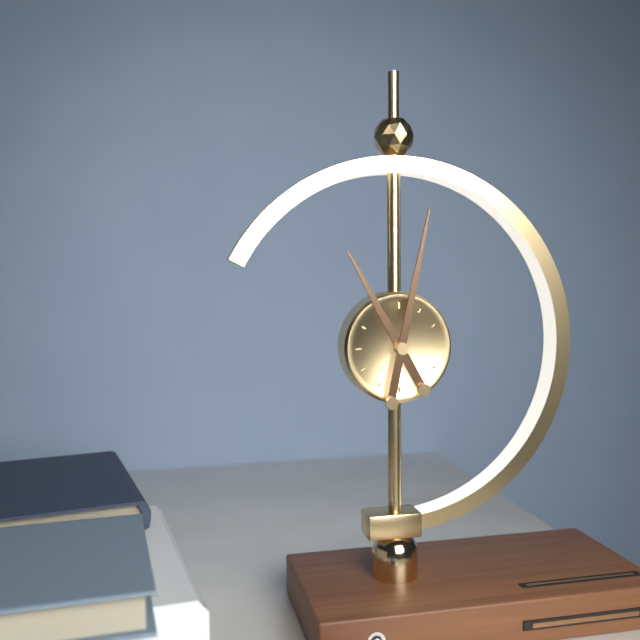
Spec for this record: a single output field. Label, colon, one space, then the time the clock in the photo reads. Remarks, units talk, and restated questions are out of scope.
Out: 11:02
